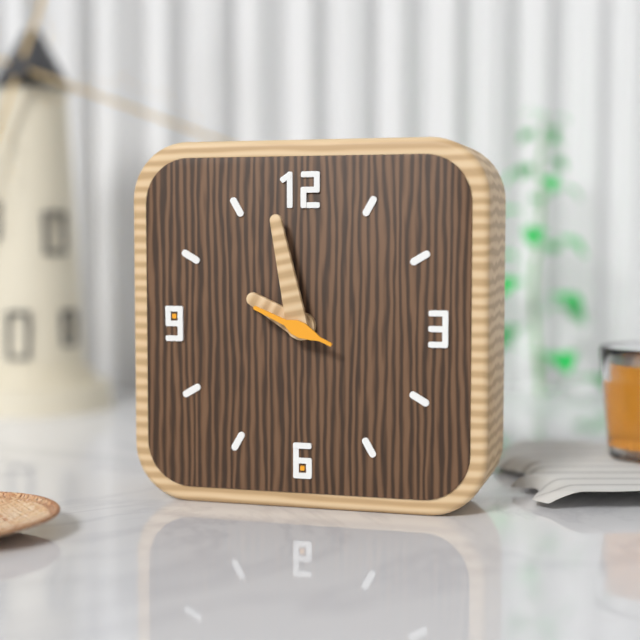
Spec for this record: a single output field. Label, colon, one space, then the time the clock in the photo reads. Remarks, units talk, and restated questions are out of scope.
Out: 9:58:49
